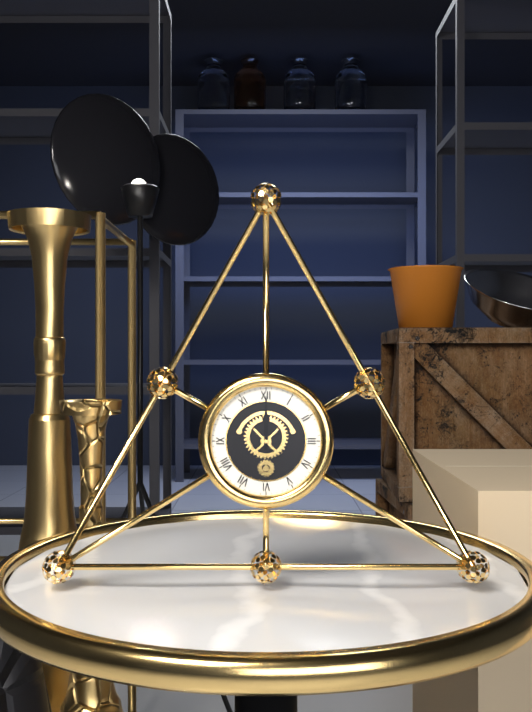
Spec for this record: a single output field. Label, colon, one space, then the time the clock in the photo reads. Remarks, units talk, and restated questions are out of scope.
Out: 12:00
